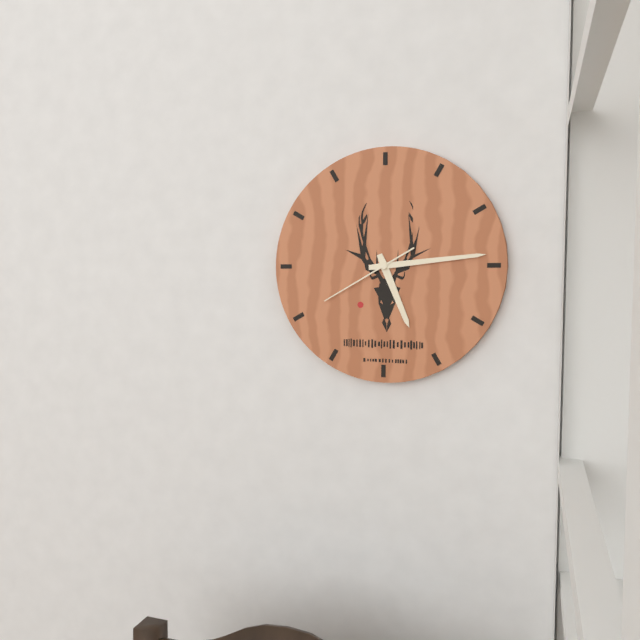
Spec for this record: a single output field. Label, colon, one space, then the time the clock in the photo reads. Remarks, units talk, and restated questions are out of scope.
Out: 5:14:40
